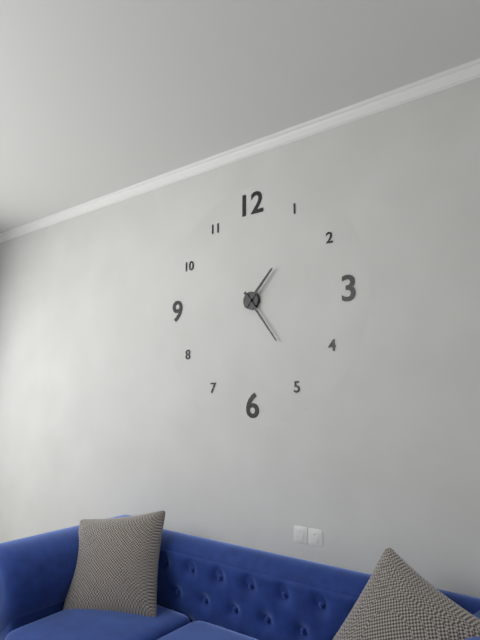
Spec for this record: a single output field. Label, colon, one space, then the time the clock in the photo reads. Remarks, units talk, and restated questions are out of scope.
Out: 1:24
